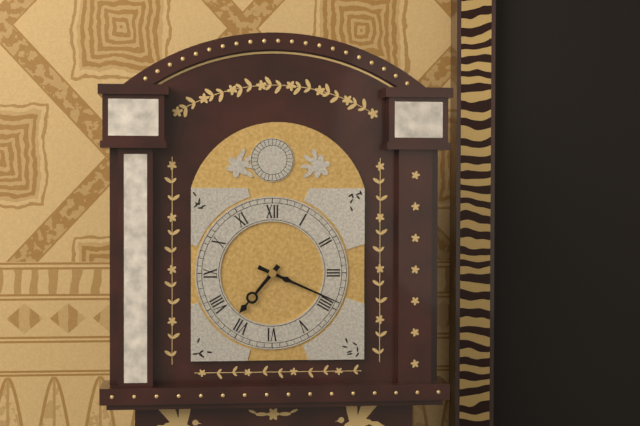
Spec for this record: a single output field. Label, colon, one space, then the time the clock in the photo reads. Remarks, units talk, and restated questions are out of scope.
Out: 7:19
